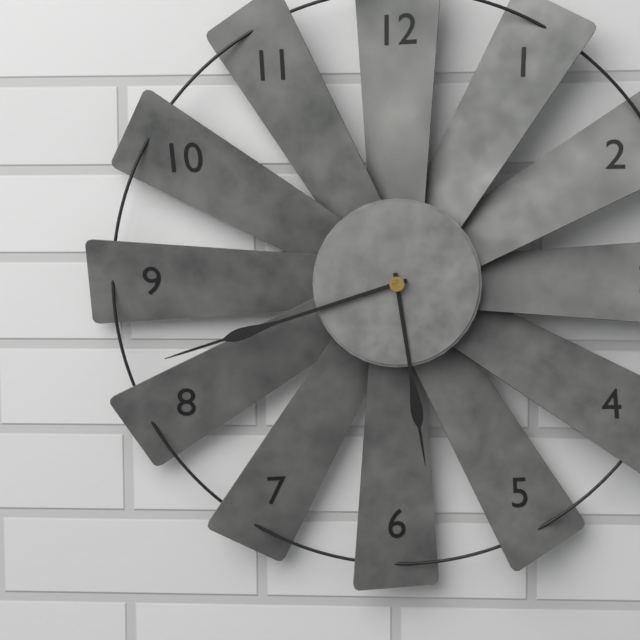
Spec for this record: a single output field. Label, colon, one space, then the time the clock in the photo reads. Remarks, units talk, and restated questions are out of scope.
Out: 5:42
